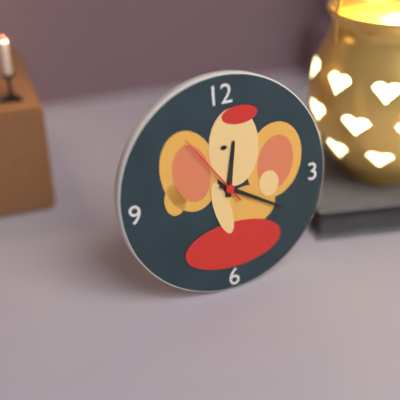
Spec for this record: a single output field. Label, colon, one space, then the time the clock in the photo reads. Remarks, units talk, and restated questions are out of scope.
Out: 12:20:54
